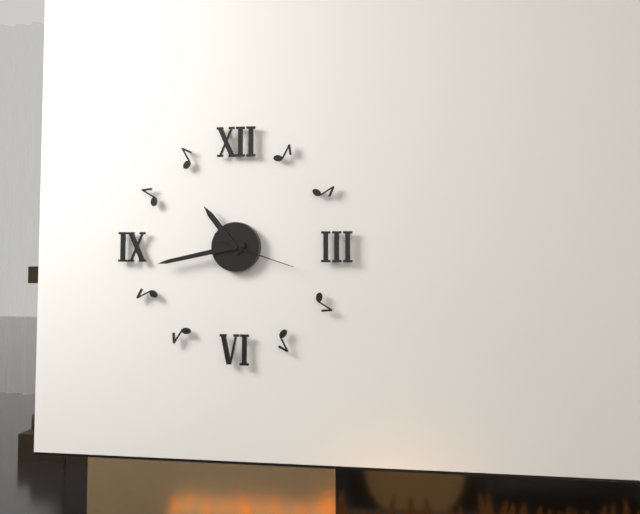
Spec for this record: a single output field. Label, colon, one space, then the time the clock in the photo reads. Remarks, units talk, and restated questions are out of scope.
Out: 10:43:18
